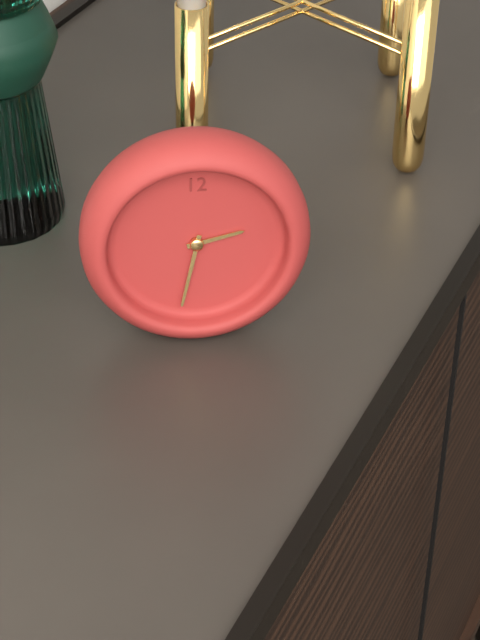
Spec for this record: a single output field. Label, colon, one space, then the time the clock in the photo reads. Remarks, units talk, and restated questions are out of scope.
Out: 2:32
